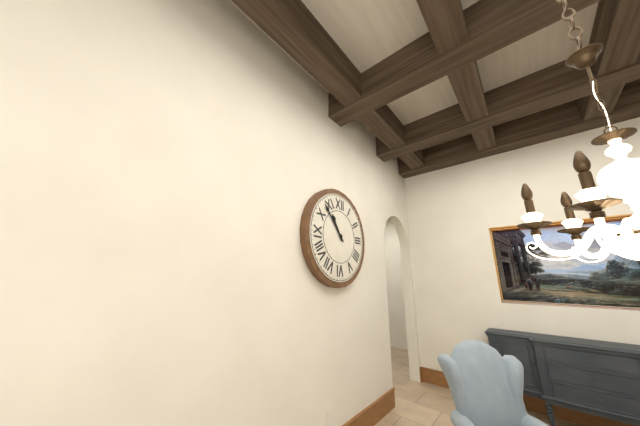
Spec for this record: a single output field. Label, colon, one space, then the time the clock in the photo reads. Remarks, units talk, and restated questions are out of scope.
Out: 10:53
